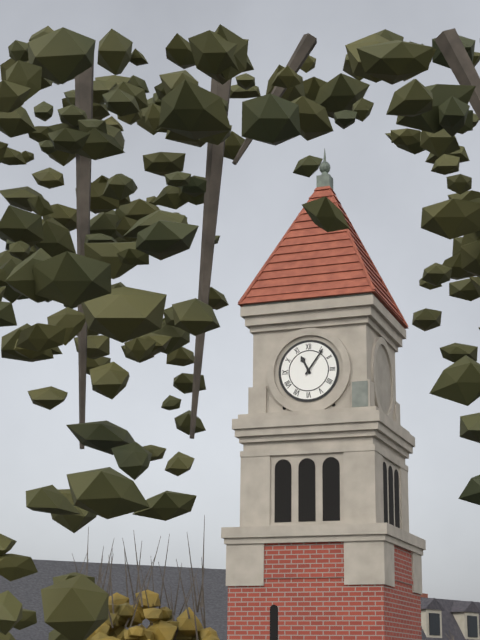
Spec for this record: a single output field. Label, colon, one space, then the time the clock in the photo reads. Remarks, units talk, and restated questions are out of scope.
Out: 11:06
